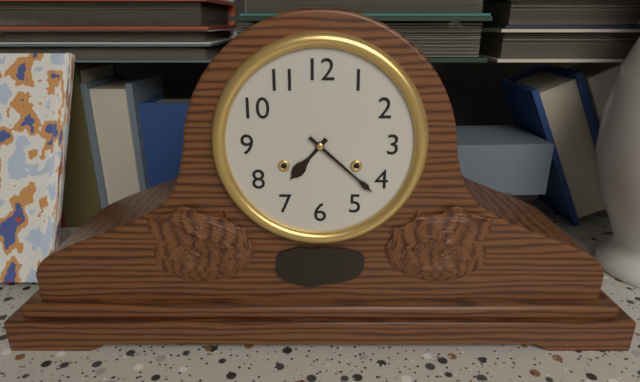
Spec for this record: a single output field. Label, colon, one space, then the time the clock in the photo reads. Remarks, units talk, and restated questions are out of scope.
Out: 7:22
